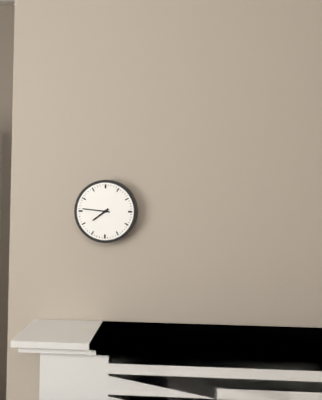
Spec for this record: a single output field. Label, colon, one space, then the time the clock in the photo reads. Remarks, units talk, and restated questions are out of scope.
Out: 7:46
